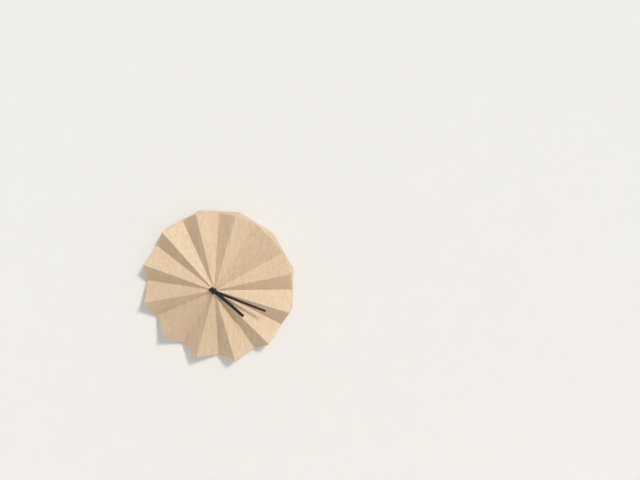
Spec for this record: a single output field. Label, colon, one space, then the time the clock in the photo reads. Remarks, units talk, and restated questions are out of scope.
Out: 4:18
